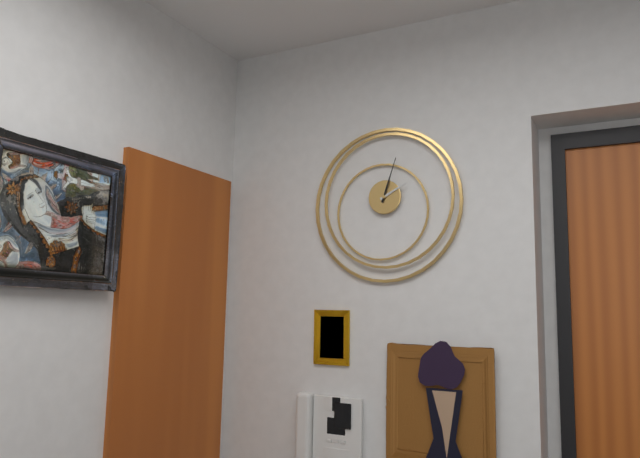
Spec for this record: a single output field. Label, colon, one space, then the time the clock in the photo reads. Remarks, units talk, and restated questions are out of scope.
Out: 2:03
